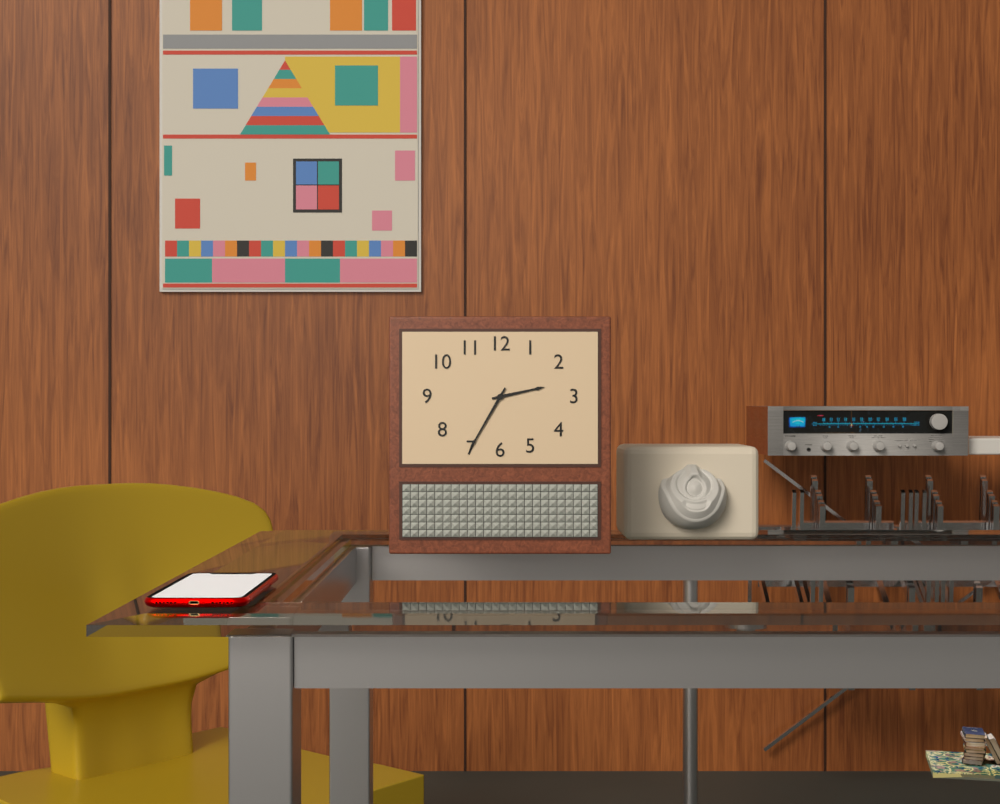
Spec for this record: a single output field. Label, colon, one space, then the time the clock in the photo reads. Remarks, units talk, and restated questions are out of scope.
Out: 2:35
